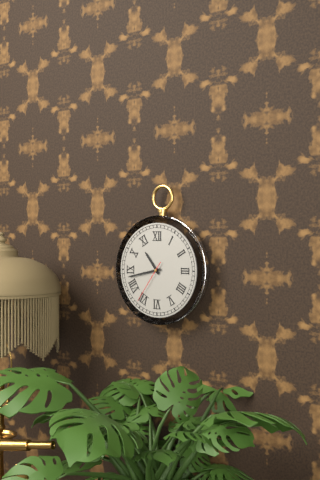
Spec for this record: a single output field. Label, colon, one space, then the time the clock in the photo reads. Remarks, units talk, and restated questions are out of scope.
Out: 10:43
